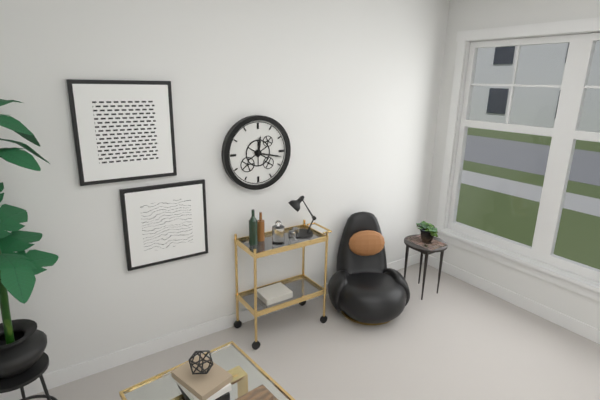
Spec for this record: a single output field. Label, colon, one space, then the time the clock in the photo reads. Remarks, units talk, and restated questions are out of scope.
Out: 12:17
